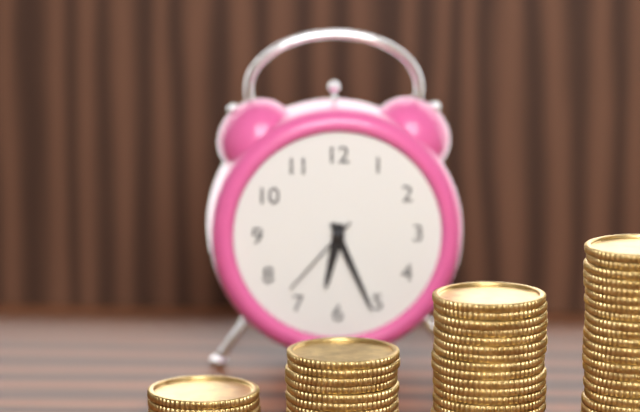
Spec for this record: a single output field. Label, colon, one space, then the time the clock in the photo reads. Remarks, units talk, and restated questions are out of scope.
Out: 6:26:37
